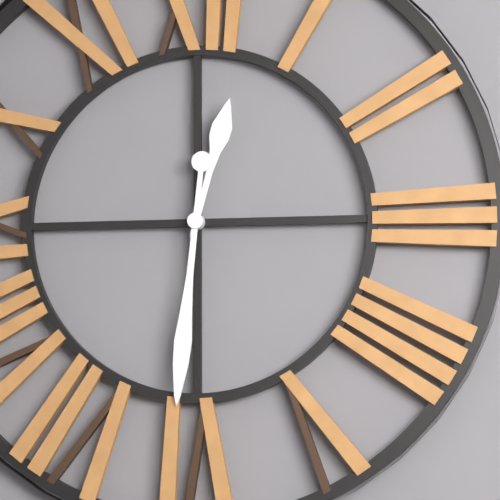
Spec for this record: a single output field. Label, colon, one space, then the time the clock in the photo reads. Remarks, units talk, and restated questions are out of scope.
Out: 12:31
